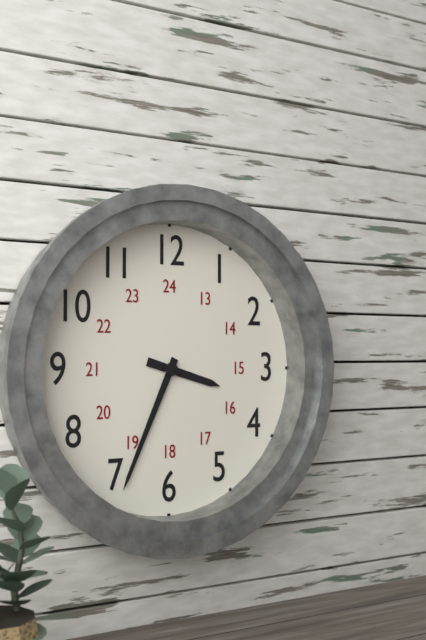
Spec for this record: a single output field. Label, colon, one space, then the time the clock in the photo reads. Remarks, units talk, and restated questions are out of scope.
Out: 3:34
